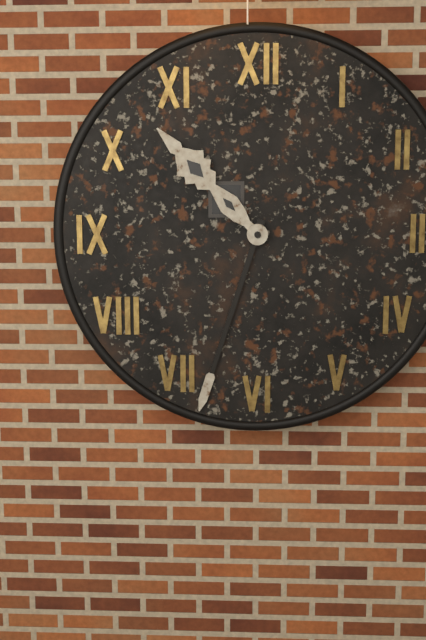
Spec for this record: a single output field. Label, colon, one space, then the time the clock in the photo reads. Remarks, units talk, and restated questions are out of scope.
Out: 10:33
